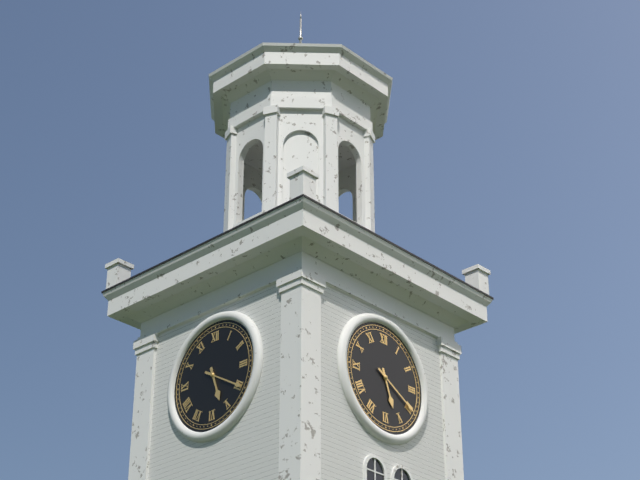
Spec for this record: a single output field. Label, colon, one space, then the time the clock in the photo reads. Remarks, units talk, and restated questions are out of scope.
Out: 5:20
